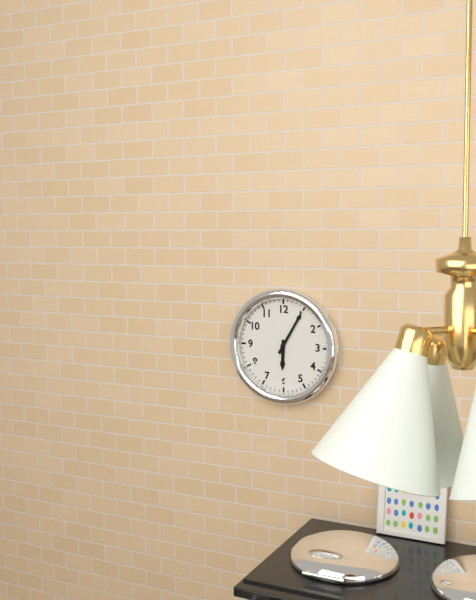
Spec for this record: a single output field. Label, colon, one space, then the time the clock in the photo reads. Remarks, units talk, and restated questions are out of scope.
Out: 6:05
